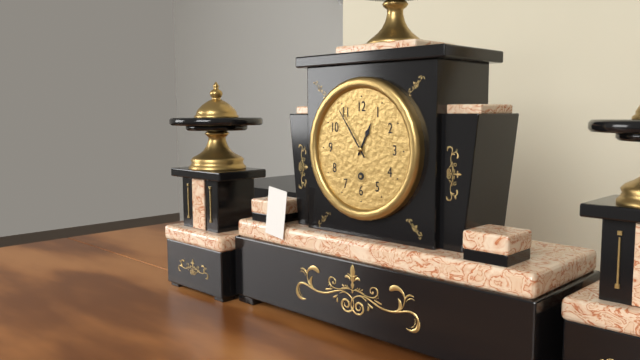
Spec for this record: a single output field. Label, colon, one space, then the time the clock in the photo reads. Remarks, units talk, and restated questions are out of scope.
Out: 12:54
